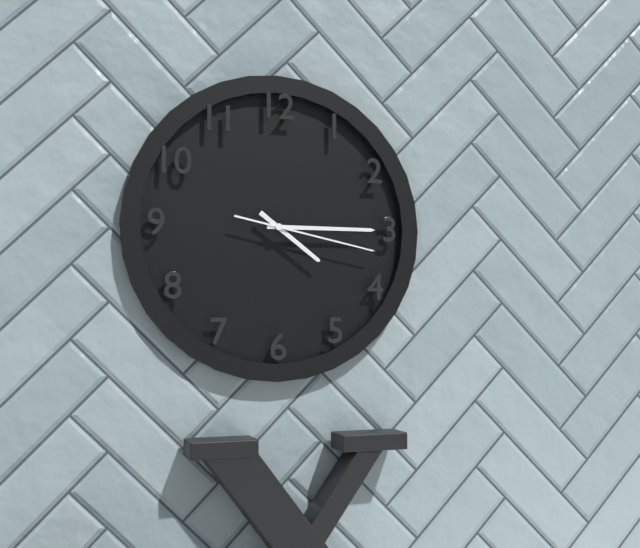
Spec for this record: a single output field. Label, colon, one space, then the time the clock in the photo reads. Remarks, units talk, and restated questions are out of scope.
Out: 4:15:17
